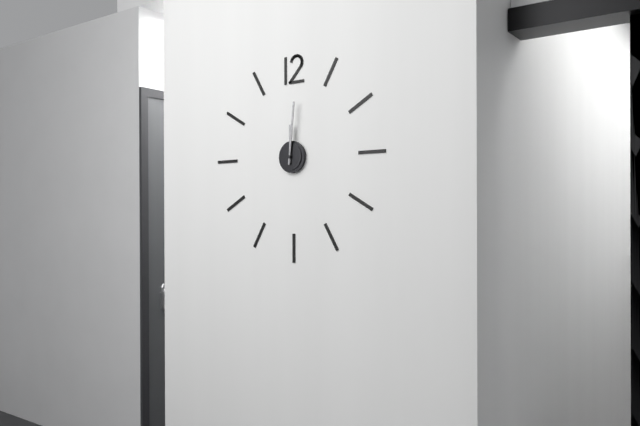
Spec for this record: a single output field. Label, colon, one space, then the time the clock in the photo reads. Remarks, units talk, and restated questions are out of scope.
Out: 12:01
